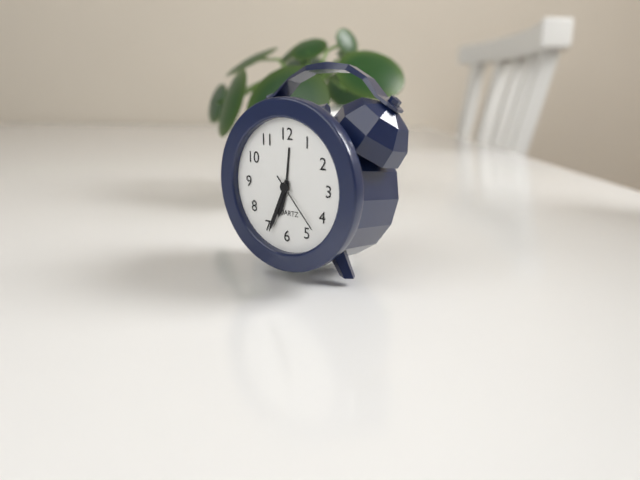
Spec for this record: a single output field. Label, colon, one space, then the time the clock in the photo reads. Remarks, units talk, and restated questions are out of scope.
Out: 6:34:23
